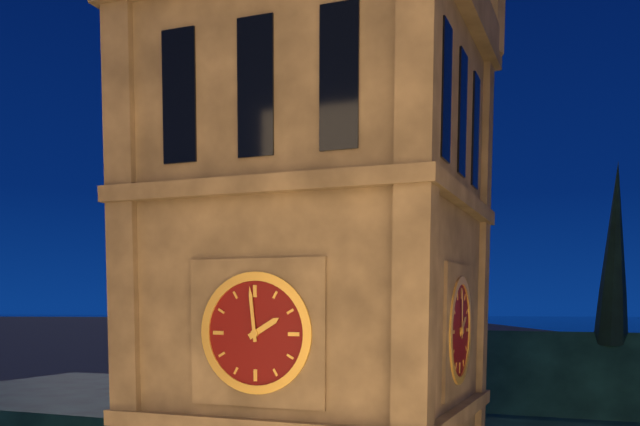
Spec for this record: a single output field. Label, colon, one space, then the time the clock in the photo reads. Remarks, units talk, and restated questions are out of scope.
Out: 1:59
